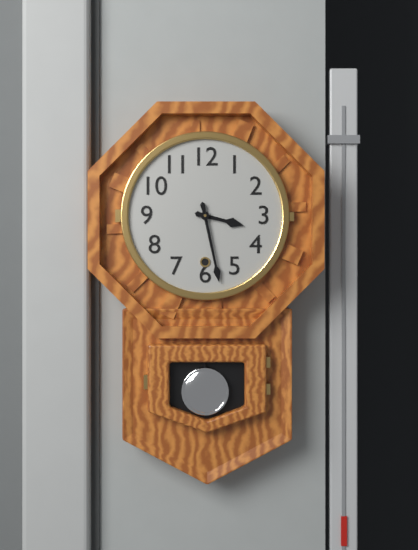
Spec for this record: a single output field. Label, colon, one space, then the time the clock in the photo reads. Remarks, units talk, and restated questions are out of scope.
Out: 3:28
